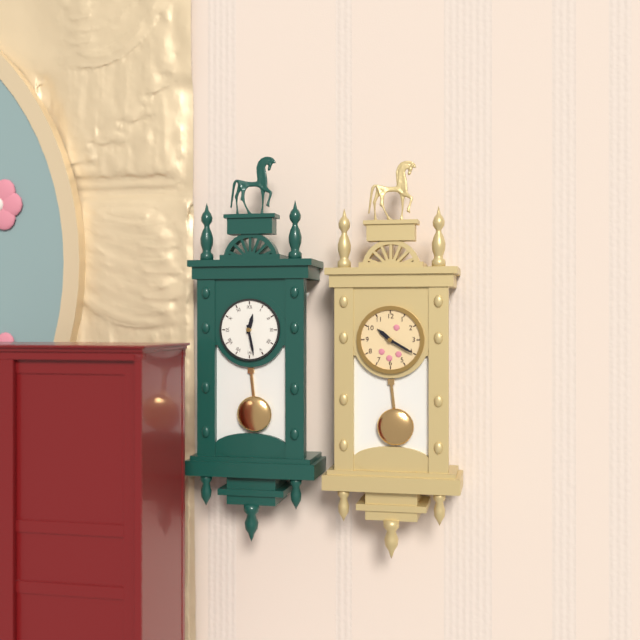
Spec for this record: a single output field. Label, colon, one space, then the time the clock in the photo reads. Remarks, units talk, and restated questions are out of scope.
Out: 12:28
